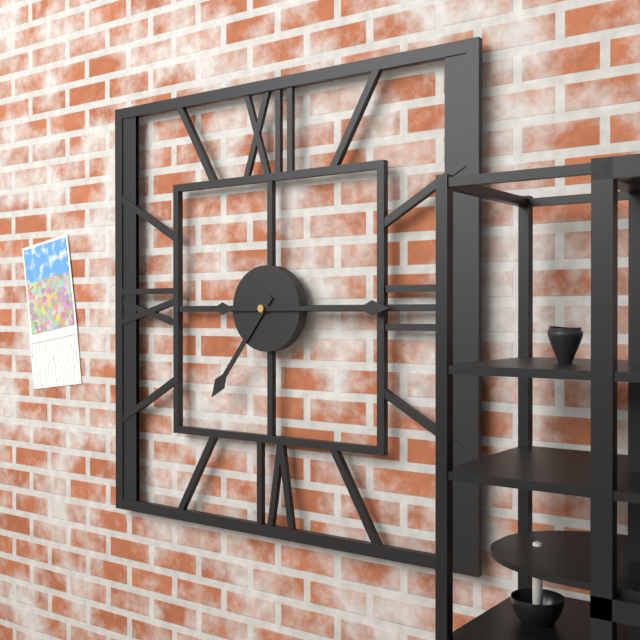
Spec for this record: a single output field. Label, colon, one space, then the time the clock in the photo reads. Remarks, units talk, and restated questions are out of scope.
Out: 7:15
